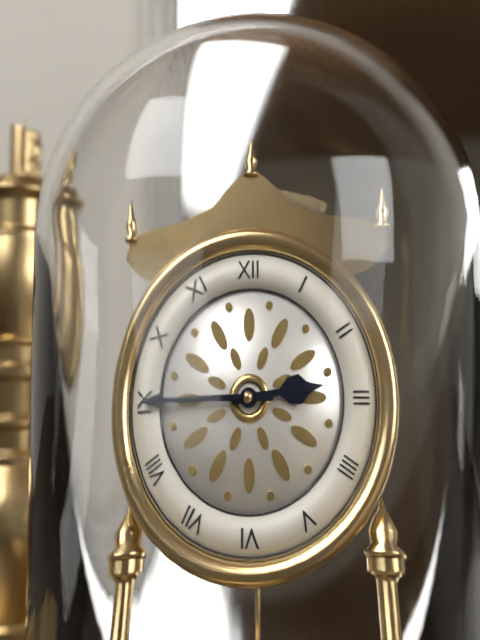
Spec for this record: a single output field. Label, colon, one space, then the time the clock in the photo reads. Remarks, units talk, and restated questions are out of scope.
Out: 2:45
